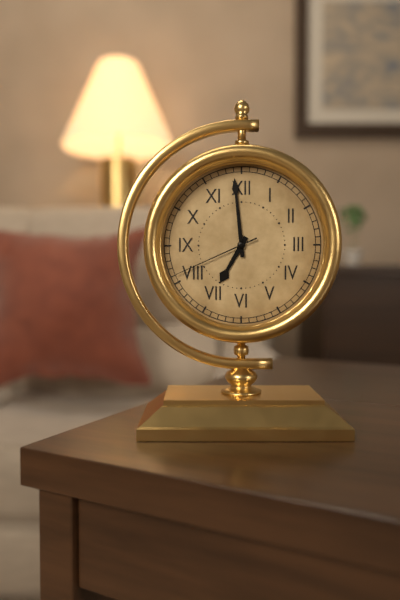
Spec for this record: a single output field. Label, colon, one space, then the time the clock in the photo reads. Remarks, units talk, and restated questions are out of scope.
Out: 6:59:41
